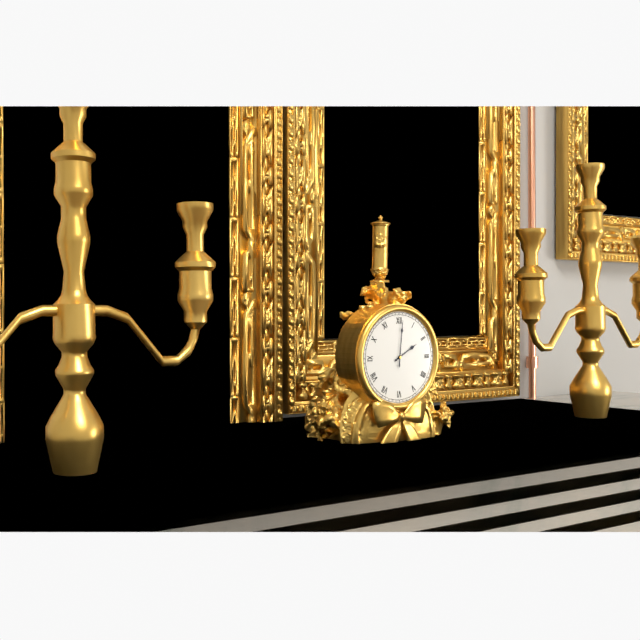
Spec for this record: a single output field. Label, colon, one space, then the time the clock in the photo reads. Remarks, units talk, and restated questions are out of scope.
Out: 2:01
